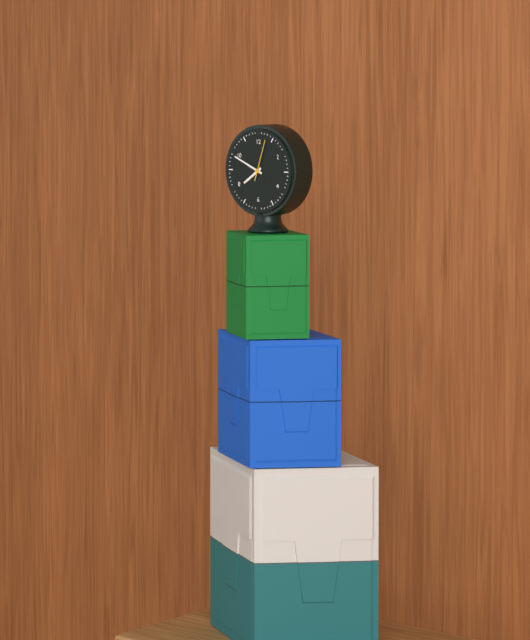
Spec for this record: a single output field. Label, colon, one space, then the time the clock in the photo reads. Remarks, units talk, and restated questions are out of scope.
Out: 7:49
